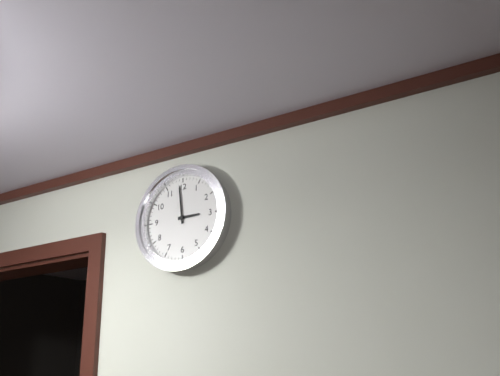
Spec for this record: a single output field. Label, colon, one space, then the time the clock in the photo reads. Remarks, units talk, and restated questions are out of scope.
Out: 2:59
